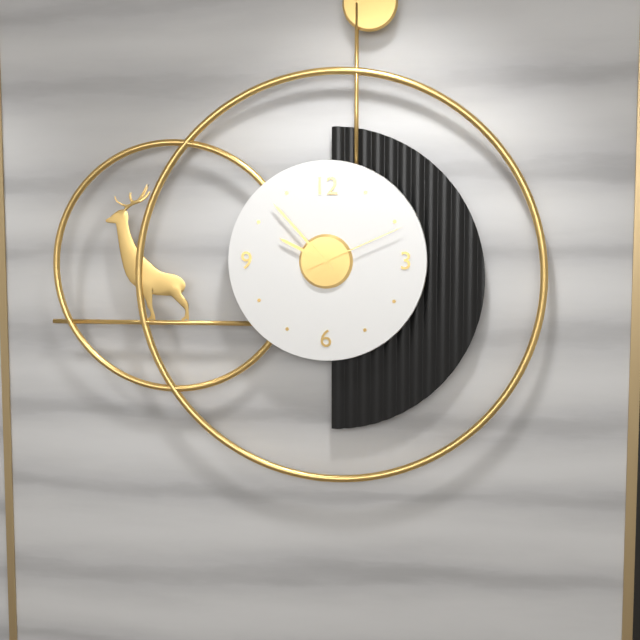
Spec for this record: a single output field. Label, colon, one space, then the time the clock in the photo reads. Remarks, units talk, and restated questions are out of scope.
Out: 9:53:11
